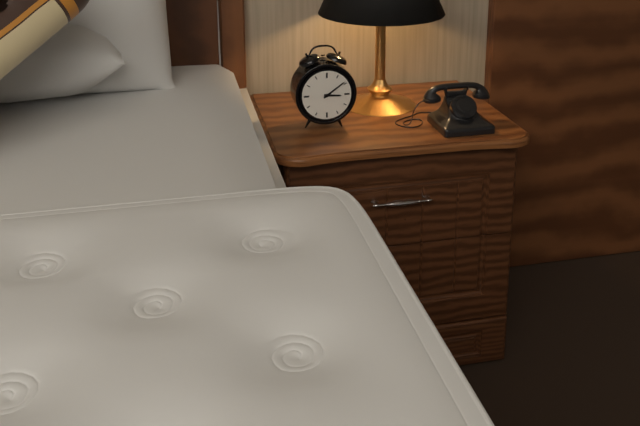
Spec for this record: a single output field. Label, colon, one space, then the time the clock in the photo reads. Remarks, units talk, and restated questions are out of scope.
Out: 3:09
